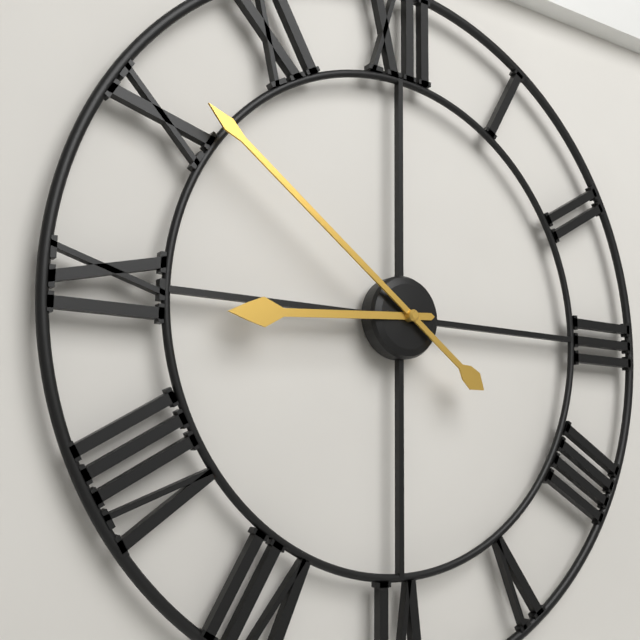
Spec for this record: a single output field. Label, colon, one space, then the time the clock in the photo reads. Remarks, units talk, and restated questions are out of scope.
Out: 8:51
